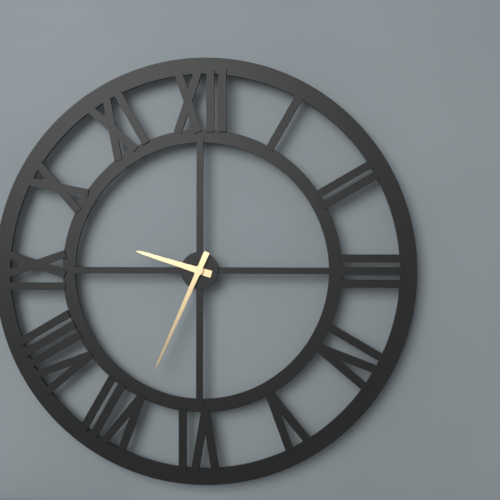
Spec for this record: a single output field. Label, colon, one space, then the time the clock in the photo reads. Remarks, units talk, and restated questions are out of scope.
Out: 9:34
